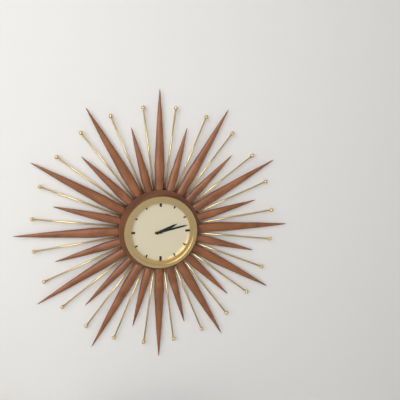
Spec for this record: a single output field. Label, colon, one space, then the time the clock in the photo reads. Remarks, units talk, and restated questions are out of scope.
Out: 2:13
